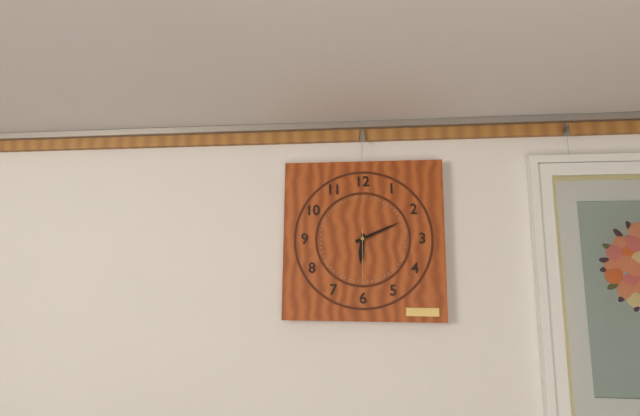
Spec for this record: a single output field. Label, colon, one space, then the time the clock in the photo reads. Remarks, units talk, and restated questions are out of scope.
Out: 6:11
